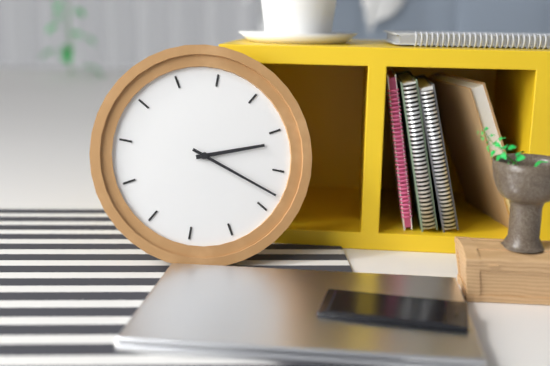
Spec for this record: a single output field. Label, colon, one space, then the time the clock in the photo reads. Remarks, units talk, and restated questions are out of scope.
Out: 2:18
